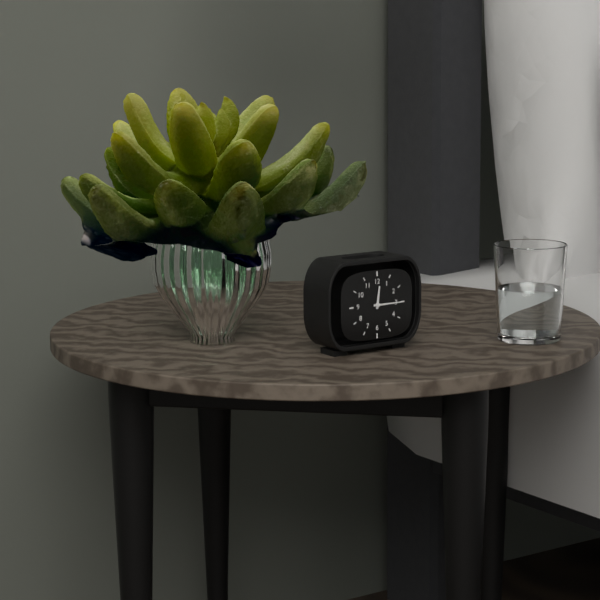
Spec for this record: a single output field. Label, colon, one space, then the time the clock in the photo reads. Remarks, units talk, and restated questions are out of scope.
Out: 12:15
